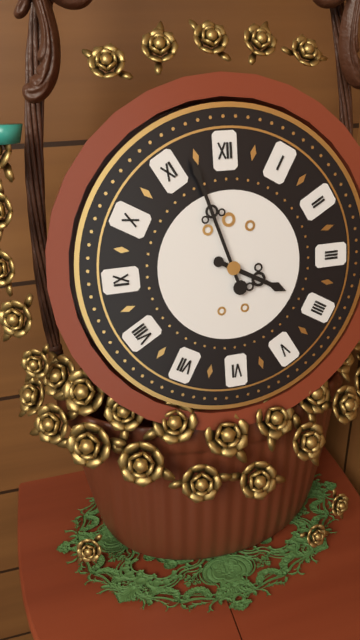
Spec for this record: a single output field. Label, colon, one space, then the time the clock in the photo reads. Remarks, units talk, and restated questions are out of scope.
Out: 3:57
